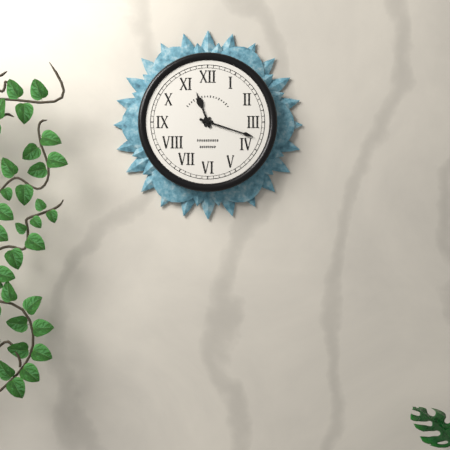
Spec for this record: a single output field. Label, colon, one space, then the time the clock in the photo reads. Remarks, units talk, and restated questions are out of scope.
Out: 11:18
